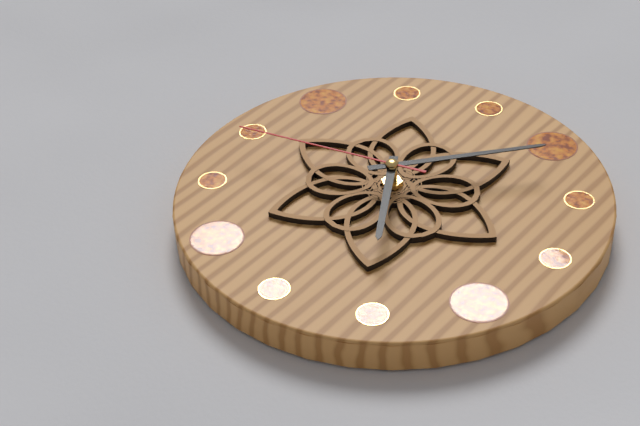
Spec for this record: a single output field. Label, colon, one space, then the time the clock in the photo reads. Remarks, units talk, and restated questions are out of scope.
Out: 4:02:38
